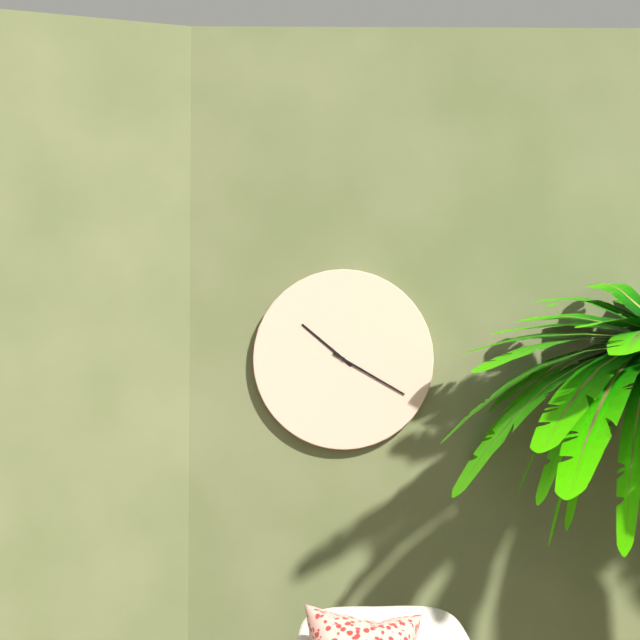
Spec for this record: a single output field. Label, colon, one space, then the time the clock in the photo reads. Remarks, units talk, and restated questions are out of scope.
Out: 10:20
